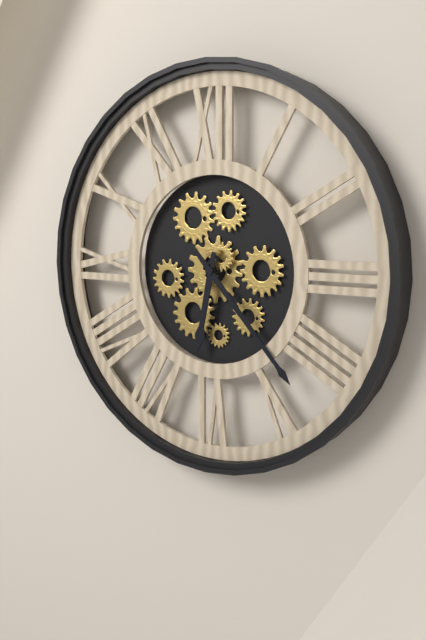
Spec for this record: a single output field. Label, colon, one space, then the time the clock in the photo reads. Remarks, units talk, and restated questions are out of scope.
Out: 6:23
